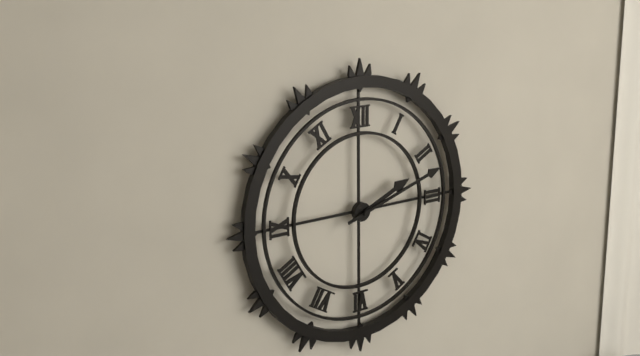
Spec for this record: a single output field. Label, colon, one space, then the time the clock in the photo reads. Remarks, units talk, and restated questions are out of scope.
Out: 2:12
